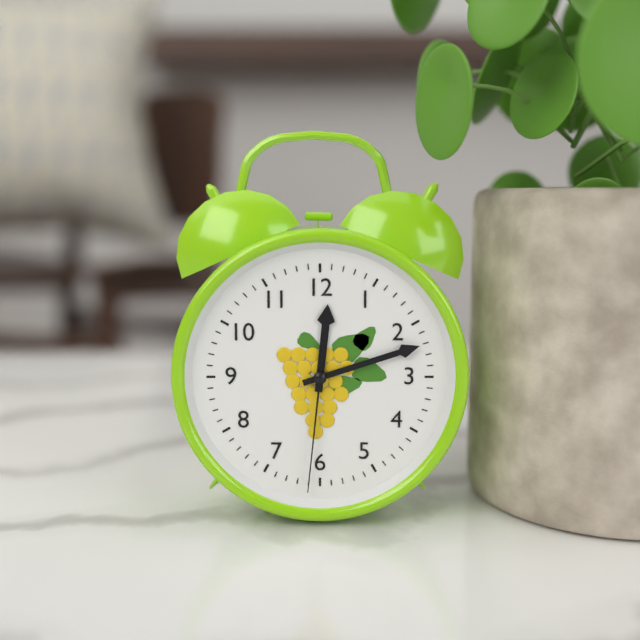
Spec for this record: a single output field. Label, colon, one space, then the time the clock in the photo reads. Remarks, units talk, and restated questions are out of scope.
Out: 12:12:31
